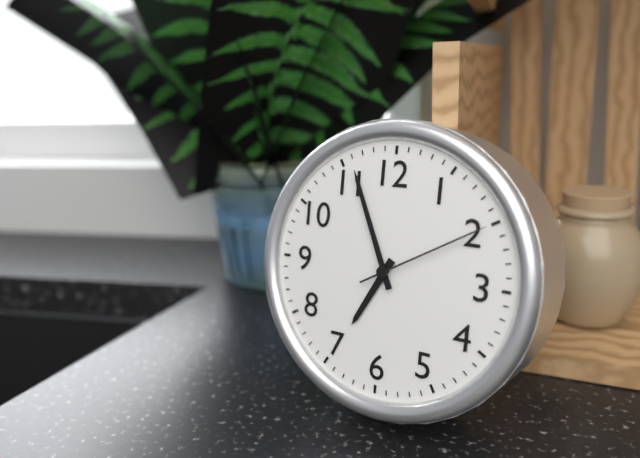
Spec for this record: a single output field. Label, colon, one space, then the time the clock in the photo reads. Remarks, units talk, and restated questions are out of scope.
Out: 6:56:10
